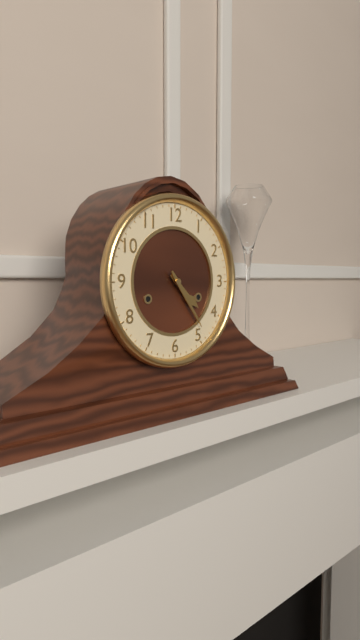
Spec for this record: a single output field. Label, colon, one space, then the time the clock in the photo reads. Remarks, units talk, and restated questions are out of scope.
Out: 4:24
